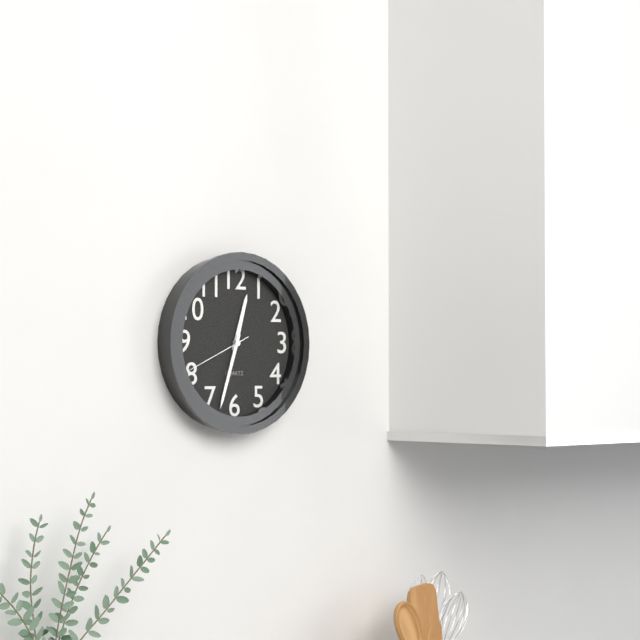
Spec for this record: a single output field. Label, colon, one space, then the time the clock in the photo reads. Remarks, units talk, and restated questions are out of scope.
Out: 12:33:41
